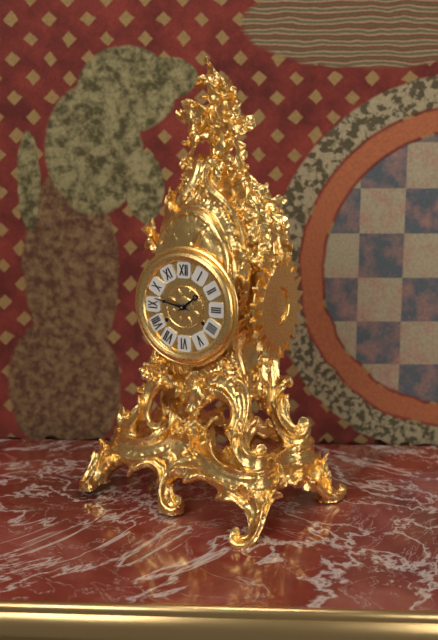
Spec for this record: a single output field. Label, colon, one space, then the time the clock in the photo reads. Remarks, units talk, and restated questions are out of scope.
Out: 1:47
